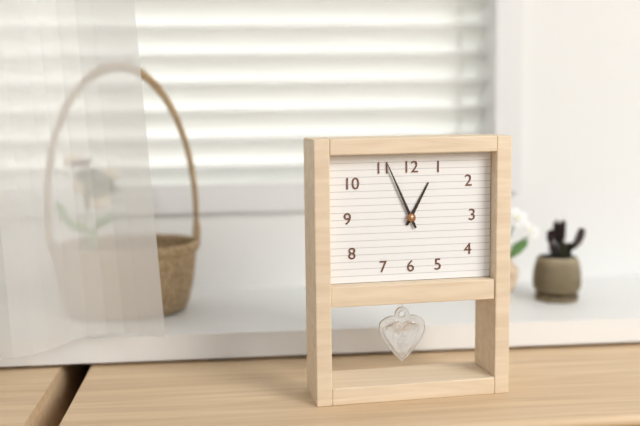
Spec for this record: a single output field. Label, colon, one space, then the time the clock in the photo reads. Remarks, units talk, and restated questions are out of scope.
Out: 12:56
